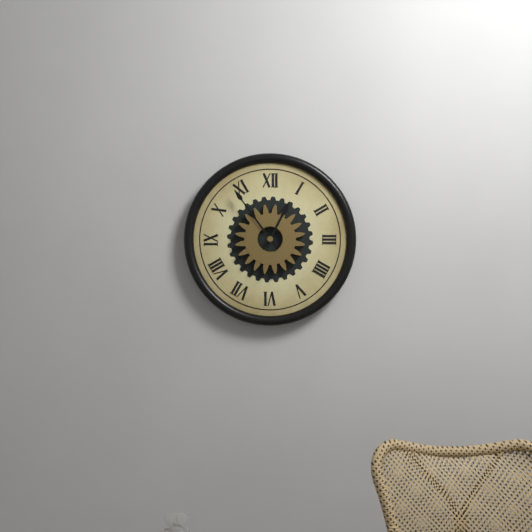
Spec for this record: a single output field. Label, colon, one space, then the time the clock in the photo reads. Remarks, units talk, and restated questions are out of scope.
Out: 12:54
